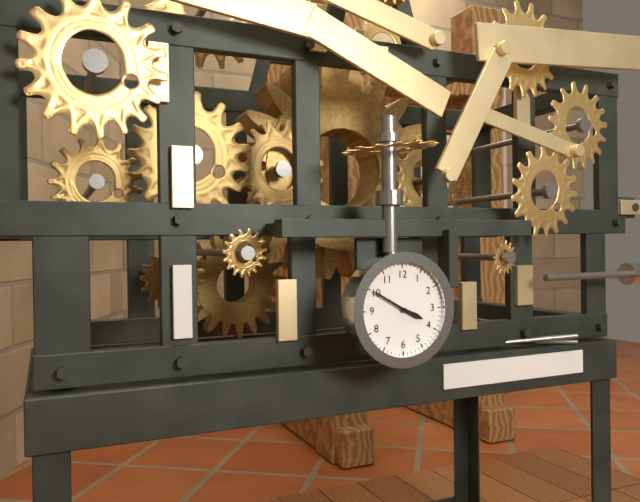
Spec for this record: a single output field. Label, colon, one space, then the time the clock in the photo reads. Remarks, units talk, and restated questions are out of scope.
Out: 3:50
